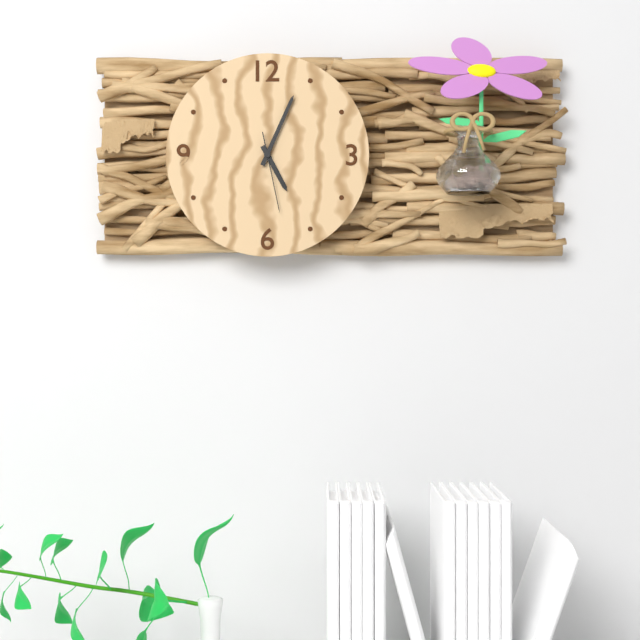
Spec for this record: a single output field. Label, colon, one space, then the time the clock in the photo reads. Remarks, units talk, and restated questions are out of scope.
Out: 5:04:28
